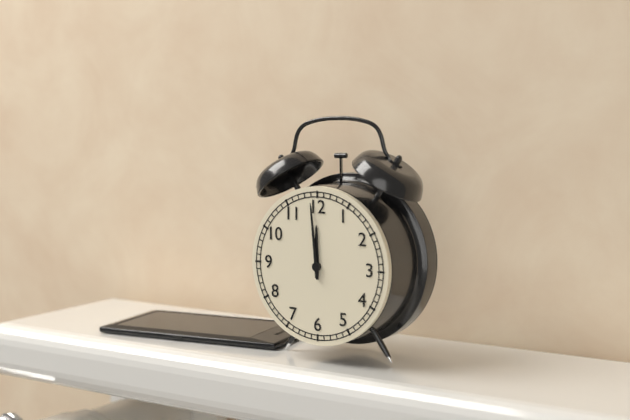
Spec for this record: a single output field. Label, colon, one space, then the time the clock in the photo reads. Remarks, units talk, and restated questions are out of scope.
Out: 11:59
